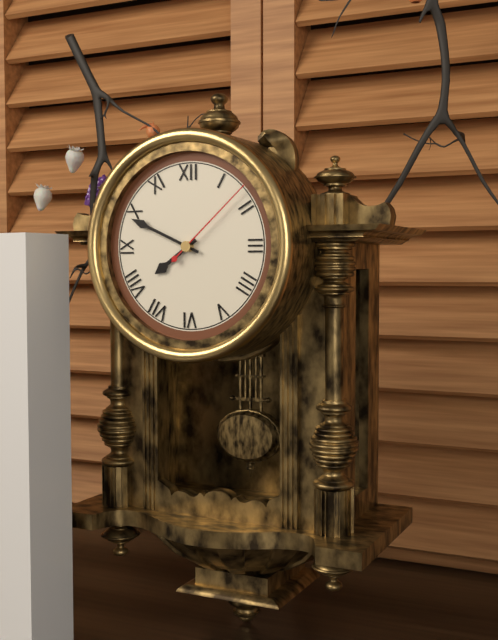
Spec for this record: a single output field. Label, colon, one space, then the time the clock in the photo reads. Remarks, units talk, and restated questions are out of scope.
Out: 7:49:08
